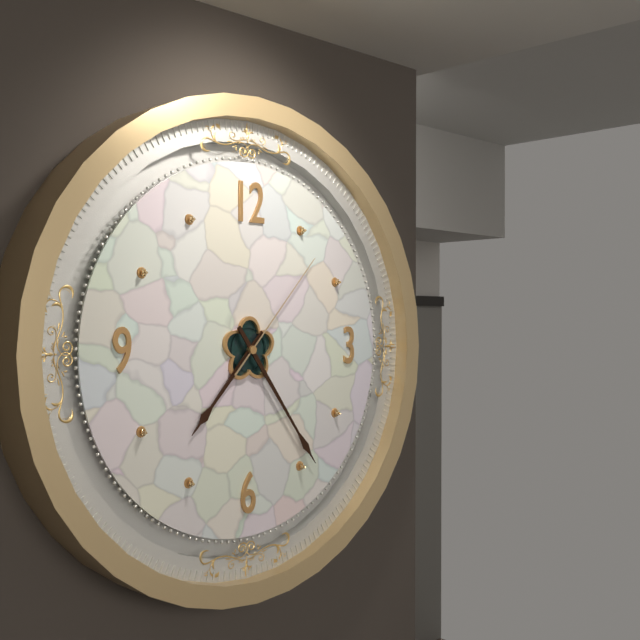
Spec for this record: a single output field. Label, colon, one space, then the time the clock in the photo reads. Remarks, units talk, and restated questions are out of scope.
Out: 7:24:07
